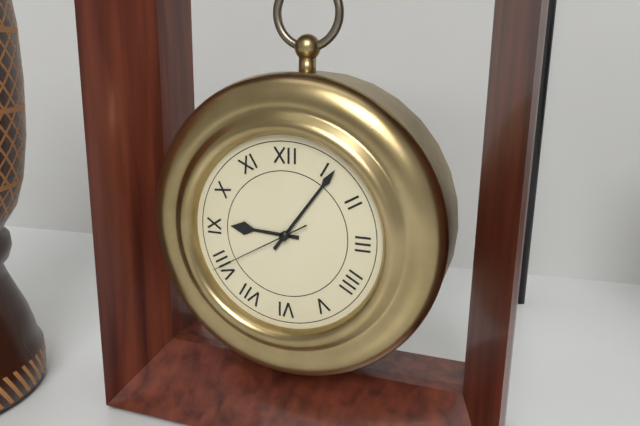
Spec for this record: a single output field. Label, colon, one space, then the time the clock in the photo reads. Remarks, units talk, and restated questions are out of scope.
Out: 9:06:40
